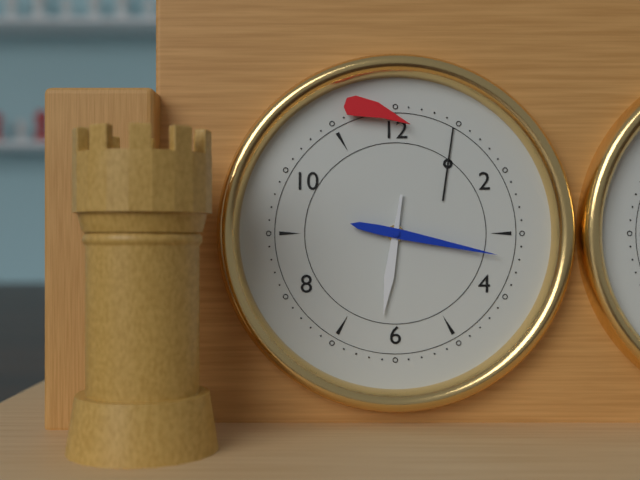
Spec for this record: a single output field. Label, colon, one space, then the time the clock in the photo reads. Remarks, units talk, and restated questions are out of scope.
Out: 6:17
